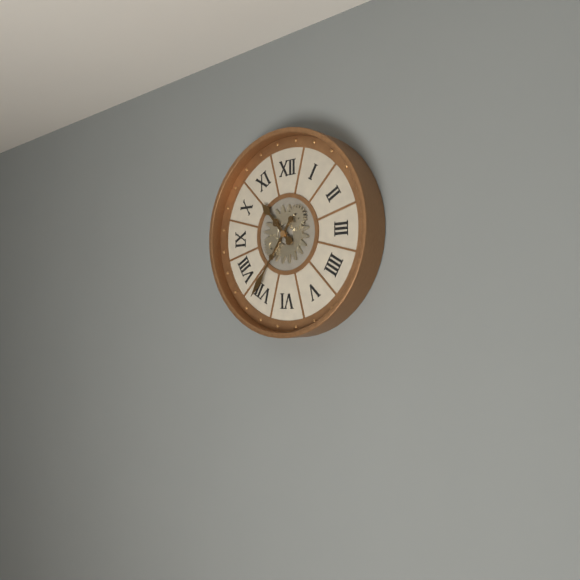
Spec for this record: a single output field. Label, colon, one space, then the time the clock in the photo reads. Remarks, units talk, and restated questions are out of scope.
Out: 10:36
